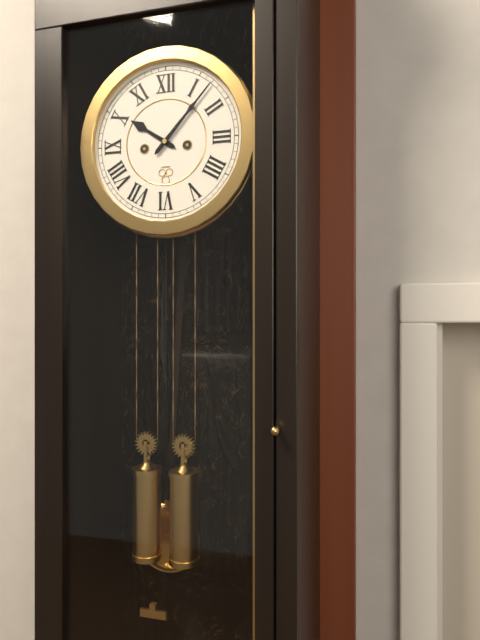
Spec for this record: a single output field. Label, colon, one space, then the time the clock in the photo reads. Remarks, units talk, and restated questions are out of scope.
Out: 10:07
